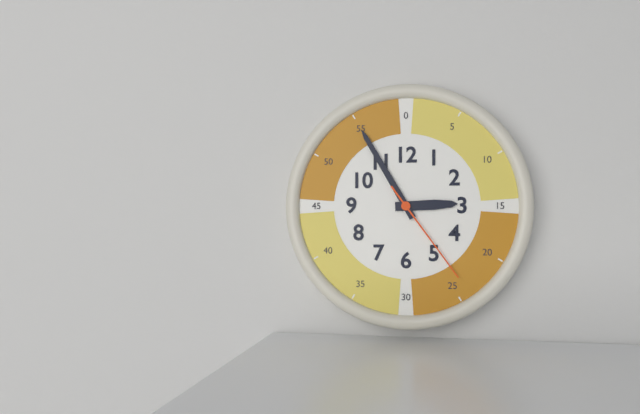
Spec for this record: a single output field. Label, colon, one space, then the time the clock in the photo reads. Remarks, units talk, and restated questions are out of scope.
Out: 2:55:24
